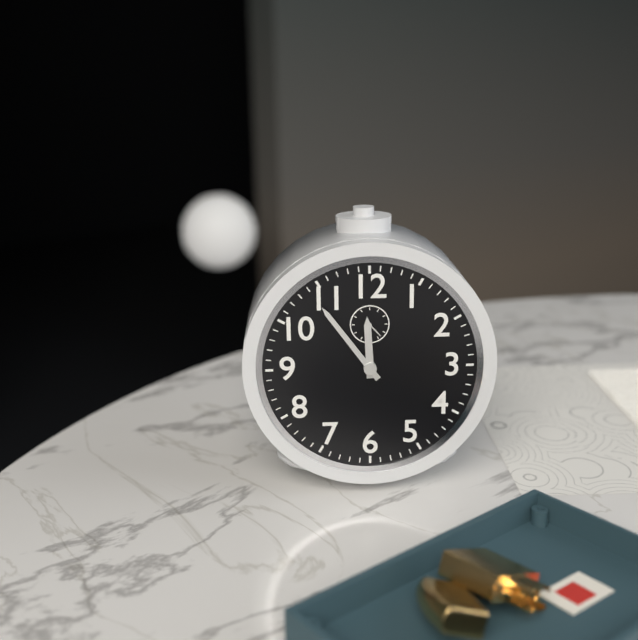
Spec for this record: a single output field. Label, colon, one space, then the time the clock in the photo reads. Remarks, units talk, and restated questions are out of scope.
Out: 11:54
